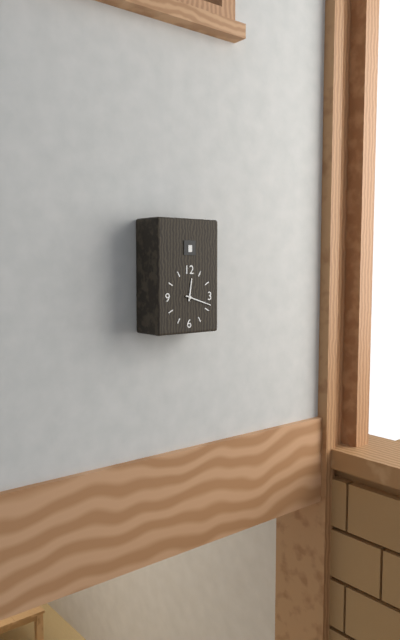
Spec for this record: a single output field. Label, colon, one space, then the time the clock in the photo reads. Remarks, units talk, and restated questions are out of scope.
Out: 12:18
